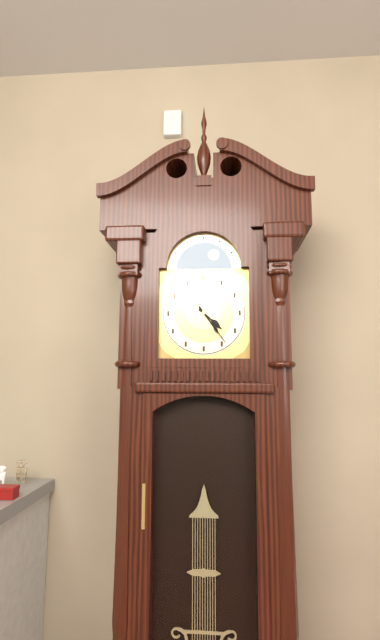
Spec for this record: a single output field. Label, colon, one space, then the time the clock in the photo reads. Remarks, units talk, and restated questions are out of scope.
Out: 4:24
